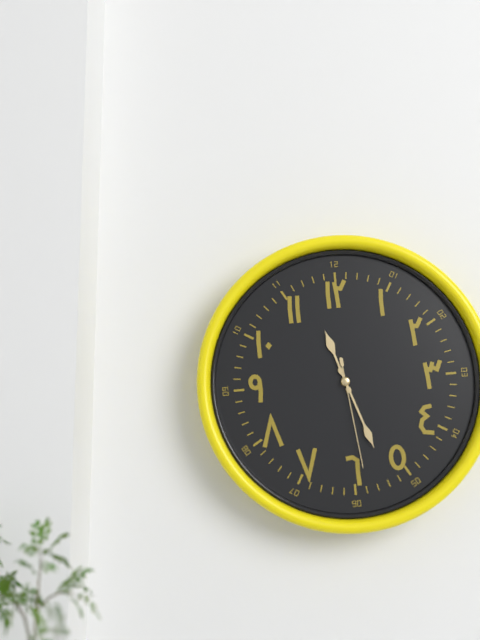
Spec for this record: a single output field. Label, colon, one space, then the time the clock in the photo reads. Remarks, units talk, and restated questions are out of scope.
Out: 11:27:29
